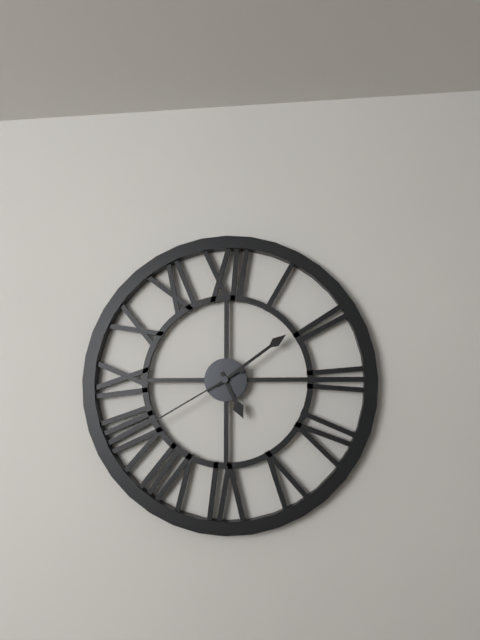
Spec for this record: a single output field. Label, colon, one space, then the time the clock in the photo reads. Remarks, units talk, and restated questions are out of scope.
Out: 5:09:40
